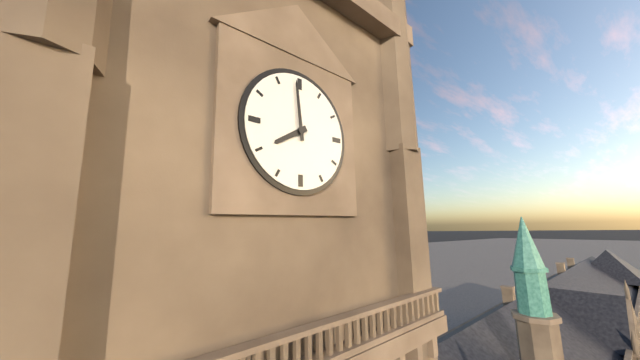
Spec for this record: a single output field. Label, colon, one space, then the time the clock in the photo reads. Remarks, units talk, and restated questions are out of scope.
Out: 7:59
